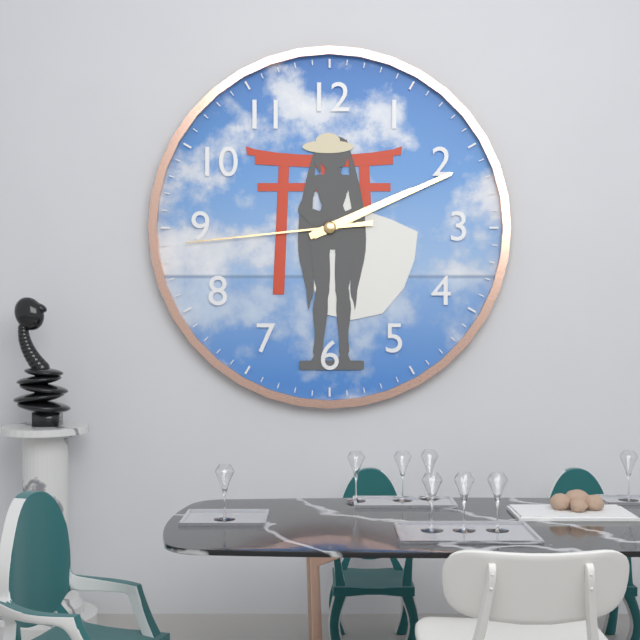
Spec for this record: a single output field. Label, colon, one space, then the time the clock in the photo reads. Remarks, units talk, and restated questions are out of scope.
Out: 2:11:44
